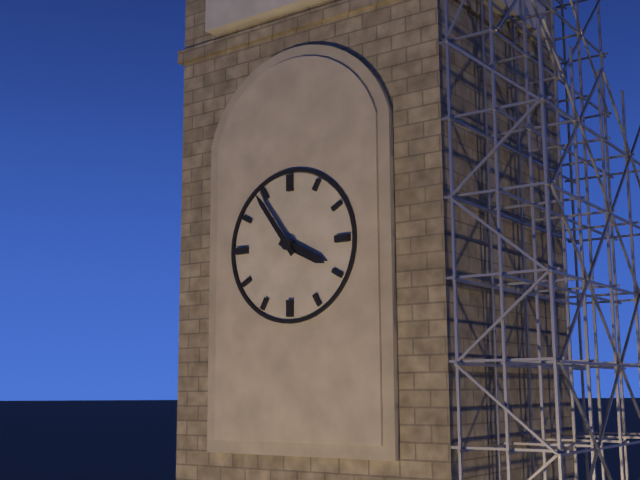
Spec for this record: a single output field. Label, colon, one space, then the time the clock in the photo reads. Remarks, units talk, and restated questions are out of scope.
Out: 3:54
